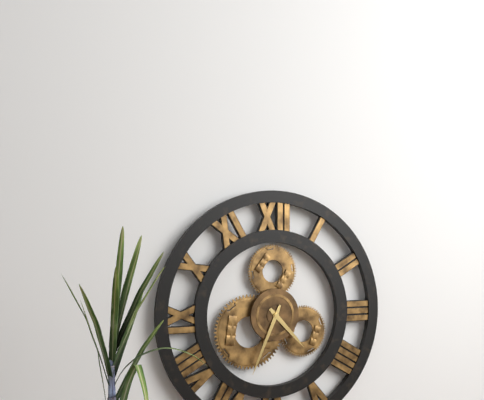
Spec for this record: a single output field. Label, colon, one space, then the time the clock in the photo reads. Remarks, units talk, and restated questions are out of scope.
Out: 4:34
